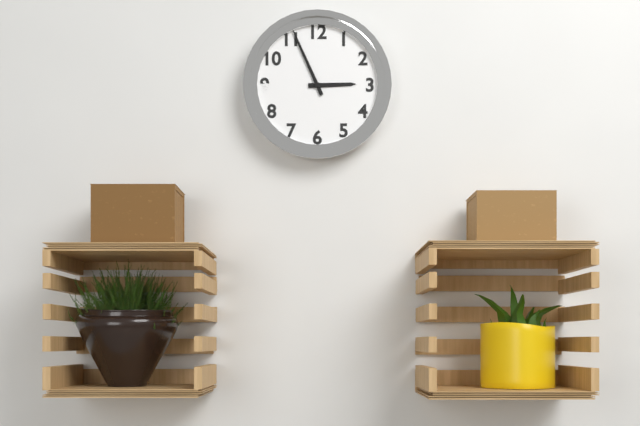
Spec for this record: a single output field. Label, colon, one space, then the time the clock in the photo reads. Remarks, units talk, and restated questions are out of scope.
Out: 2:56
